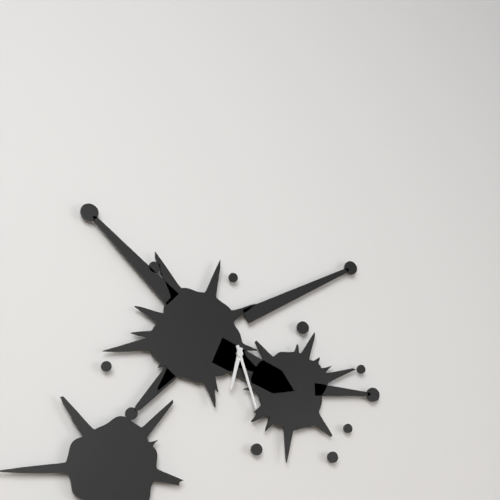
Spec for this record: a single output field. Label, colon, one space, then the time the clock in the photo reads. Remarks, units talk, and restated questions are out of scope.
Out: 6:27
